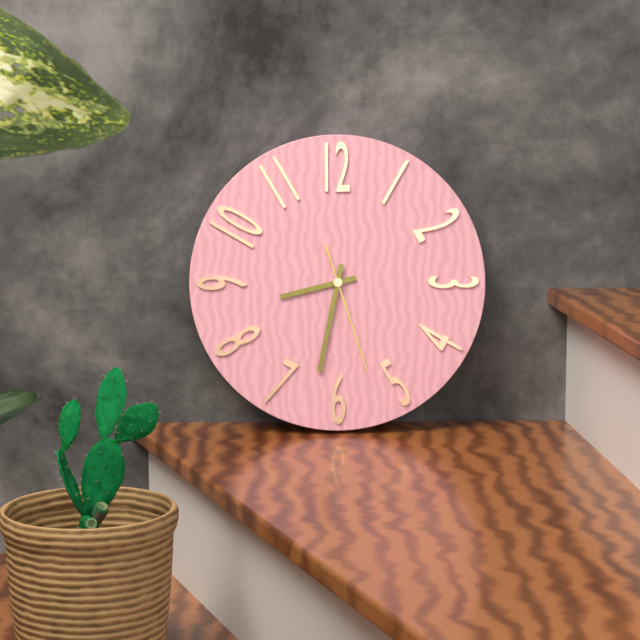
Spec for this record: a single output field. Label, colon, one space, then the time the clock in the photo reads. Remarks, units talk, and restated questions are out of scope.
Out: 8:32:27
